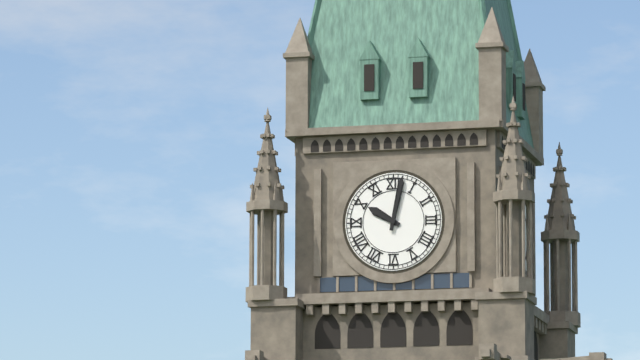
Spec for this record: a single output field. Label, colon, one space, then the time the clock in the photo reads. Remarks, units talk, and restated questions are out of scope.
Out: 10:02
